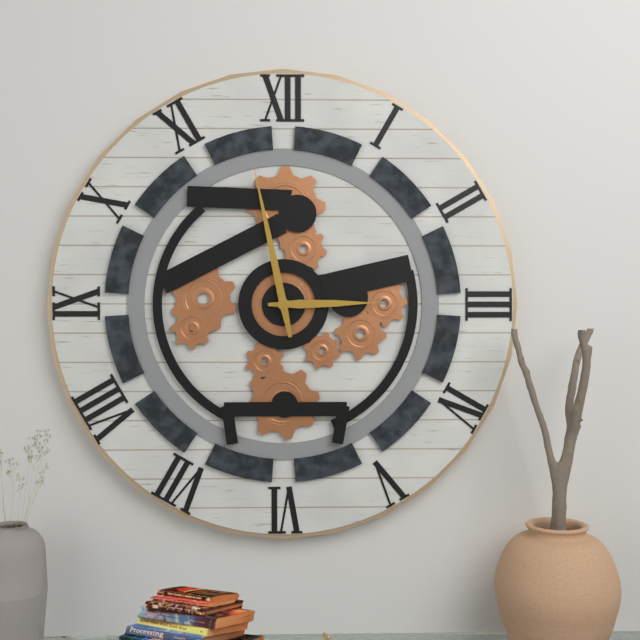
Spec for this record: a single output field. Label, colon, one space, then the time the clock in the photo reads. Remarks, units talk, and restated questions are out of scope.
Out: 2:58
